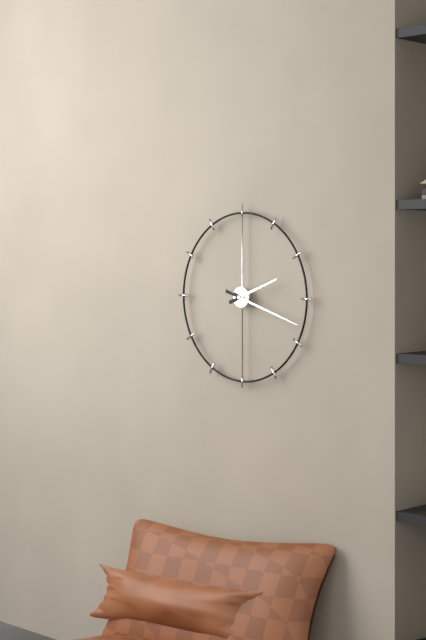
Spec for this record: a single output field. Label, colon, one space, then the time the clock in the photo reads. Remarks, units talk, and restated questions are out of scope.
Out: 2:18
